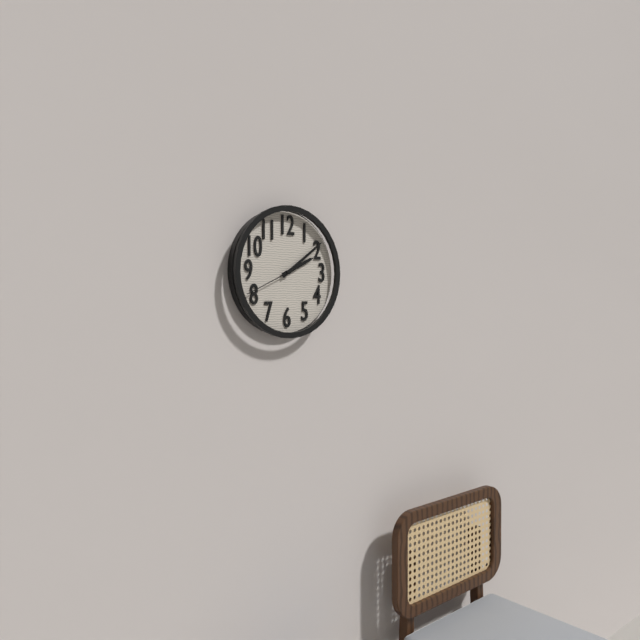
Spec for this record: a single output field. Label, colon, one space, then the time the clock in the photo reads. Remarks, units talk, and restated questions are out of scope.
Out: 2:09
